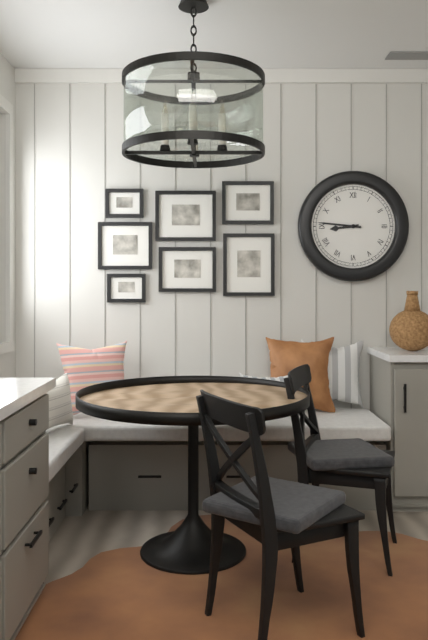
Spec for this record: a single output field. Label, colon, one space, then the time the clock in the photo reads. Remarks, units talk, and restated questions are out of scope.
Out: 8:46
